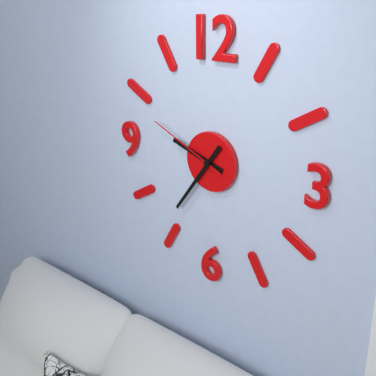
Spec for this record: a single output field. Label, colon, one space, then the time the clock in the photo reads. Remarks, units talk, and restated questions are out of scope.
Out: 9:36:49
